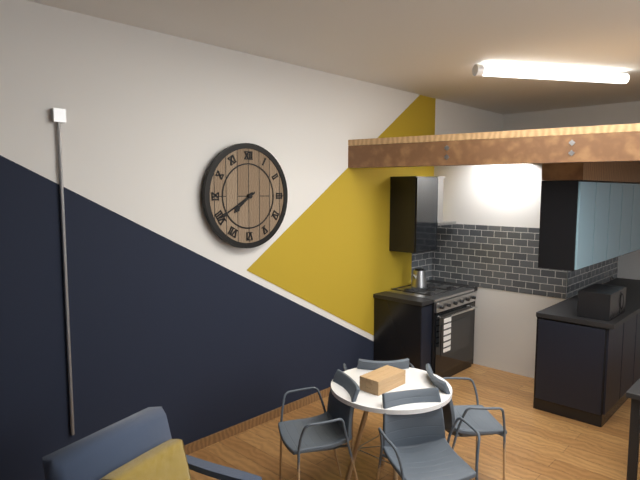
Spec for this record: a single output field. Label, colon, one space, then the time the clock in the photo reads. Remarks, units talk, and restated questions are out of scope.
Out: 7:40
